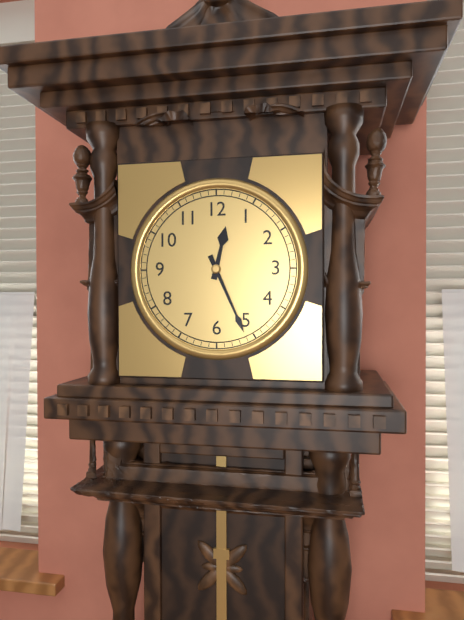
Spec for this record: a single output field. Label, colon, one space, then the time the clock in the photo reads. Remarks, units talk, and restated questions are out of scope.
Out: 12:26
